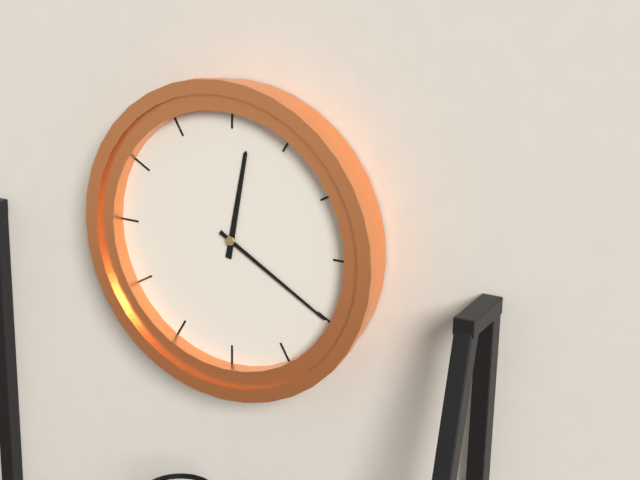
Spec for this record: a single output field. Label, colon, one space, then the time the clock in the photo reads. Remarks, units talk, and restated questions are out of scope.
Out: 12:20
